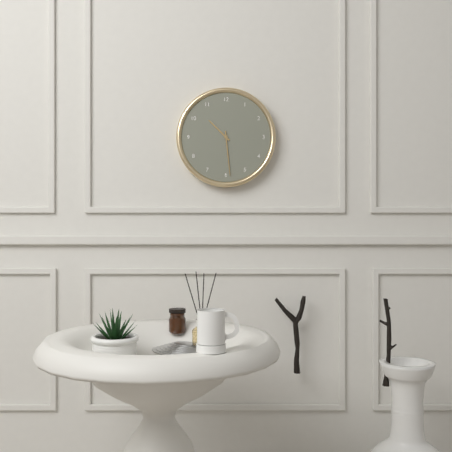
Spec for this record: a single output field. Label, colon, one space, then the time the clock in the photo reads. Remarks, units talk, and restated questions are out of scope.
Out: 10:29
